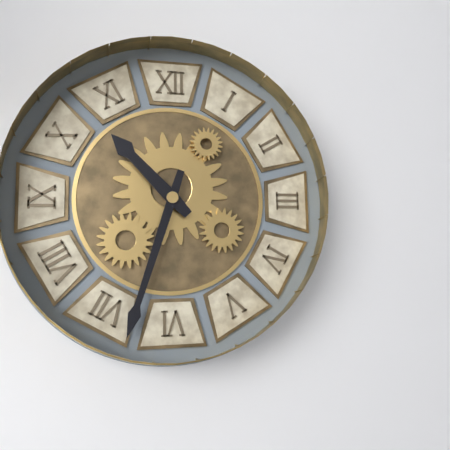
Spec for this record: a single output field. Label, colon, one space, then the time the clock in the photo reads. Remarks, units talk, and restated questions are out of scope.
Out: 10:33
